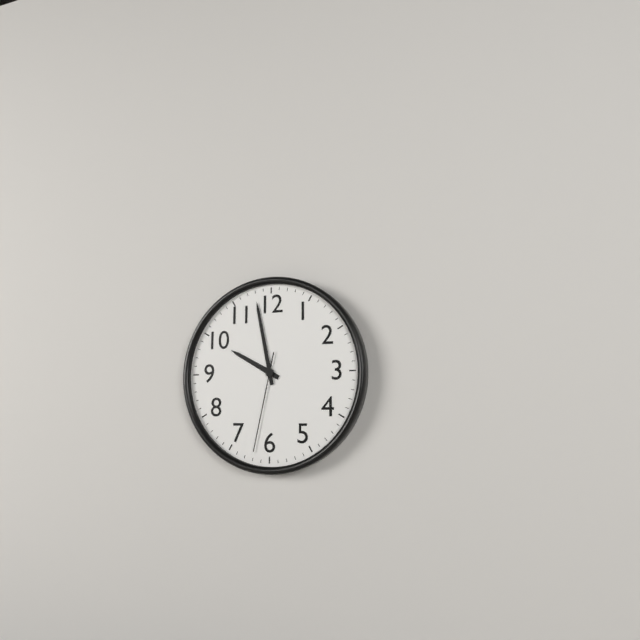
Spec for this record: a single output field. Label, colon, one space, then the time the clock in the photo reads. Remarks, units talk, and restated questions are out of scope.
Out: 9:58:32
